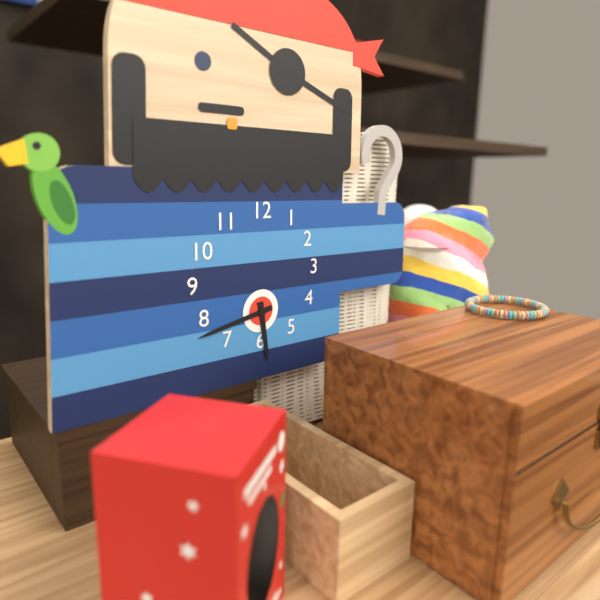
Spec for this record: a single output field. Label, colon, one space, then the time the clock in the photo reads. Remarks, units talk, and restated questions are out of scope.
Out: 5:43
